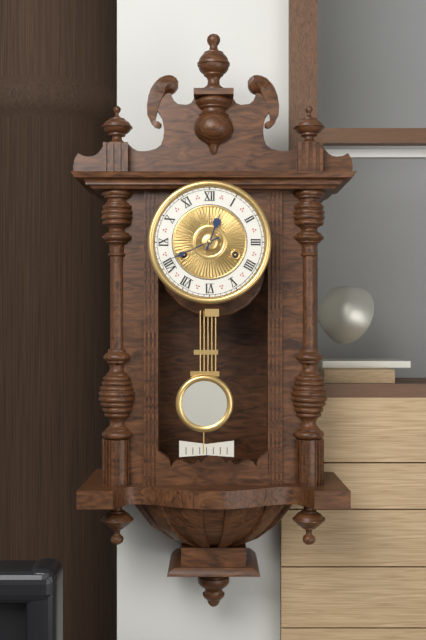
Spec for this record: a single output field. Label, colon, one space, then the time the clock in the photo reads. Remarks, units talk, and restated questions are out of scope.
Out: 12:41
